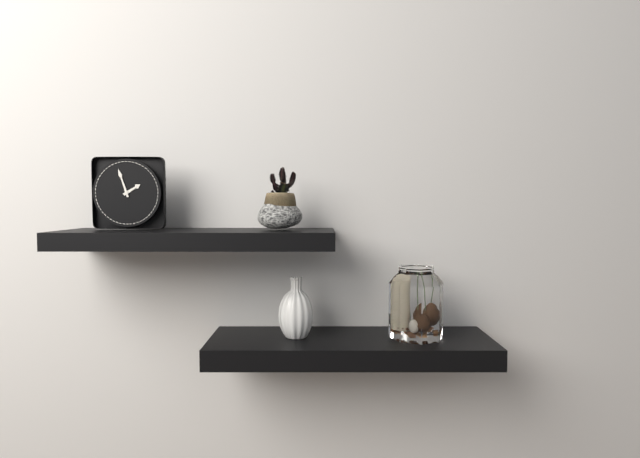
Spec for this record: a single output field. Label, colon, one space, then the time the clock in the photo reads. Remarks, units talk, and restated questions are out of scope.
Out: 1:57
